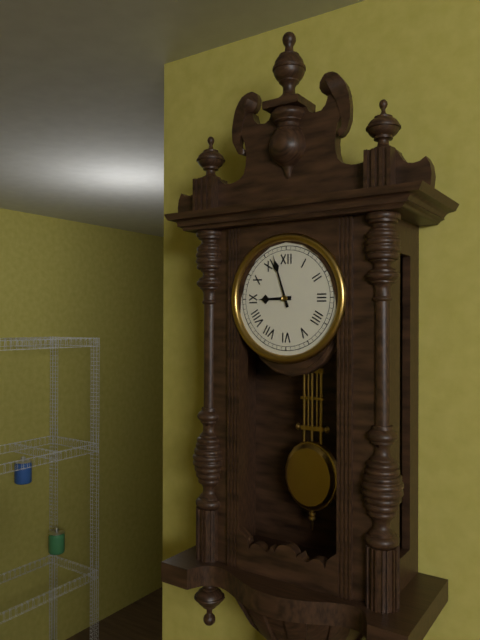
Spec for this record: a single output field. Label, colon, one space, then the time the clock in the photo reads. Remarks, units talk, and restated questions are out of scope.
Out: 8:57
